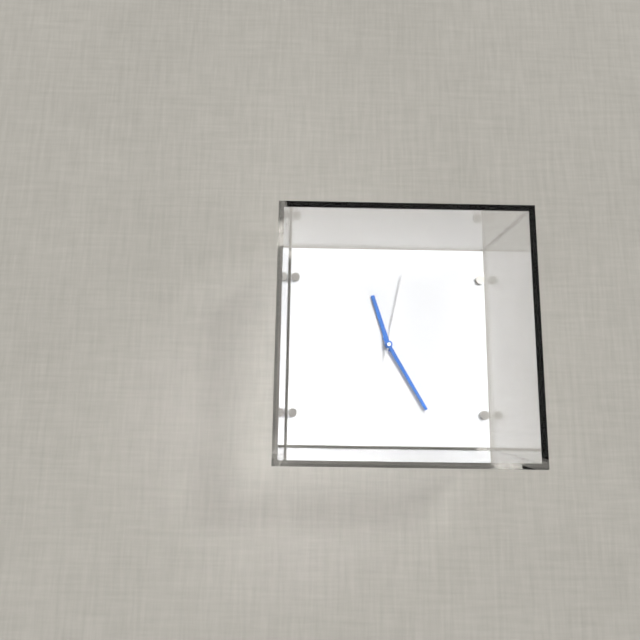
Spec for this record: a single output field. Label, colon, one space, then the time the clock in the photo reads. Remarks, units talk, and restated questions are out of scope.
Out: 11:25:02
